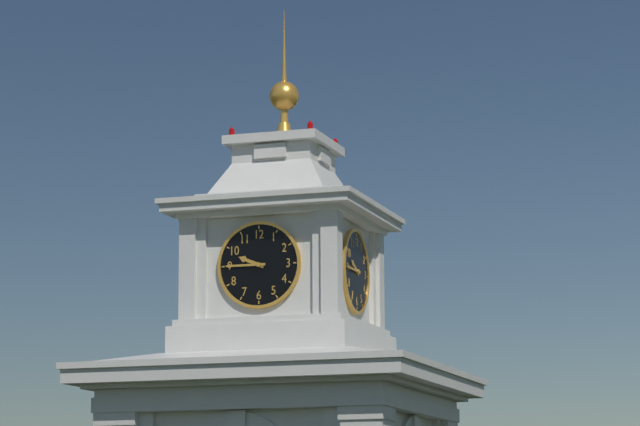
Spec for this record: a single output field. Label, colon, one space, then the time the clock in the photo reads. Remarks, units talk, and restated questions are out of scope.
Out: 9:45
